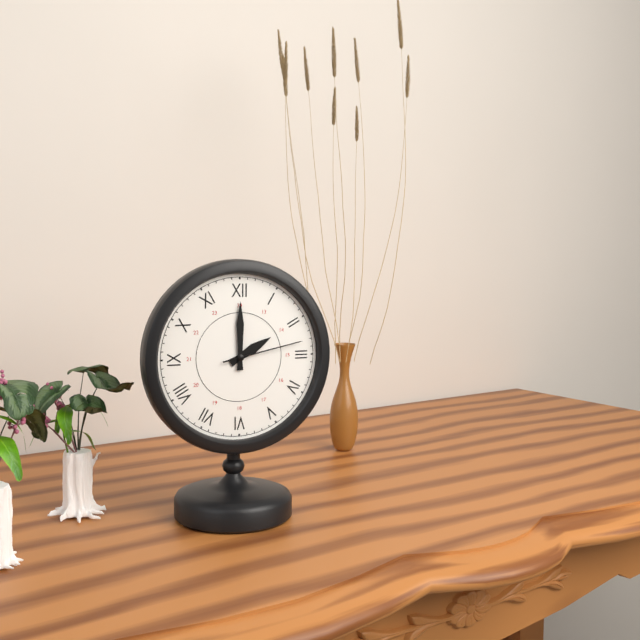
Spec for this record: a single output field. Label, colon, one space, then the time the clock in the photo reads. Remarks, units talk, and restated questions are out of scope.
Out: 2:00:13
